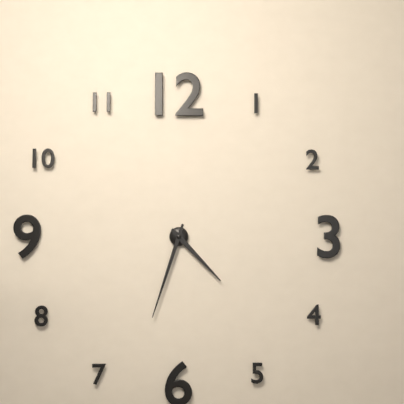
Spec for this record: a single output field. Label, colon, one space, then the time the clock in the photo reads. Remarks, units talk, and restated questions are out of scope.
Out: 4:33
